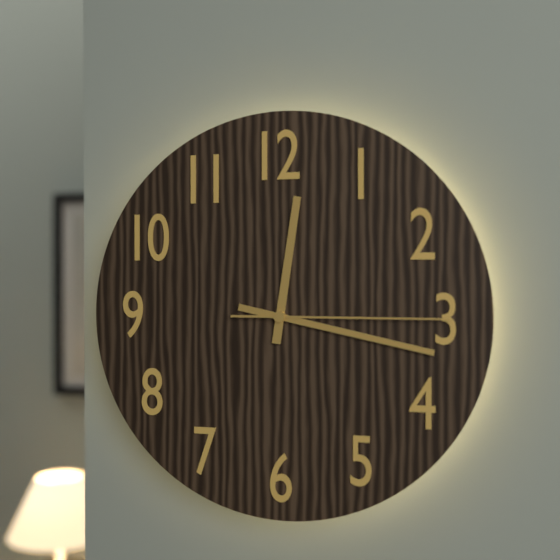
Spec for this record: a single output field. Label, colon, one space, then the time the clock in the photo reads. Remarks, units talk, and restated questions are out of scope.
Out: 12:17:15
